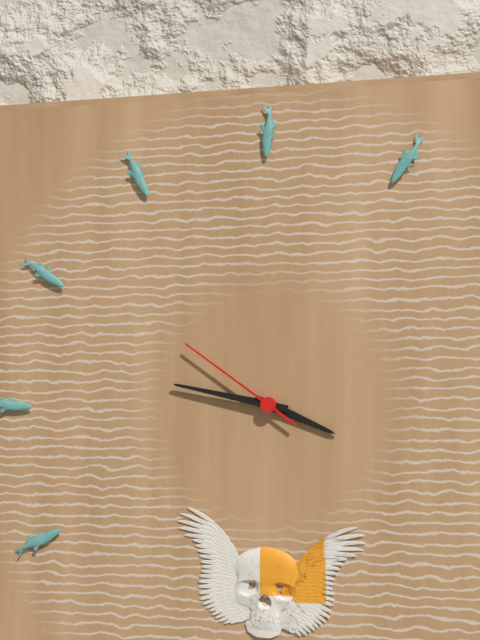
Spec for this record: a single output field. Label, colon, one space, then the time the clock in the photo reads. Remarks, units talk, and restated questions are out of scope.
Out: 3:47:51
